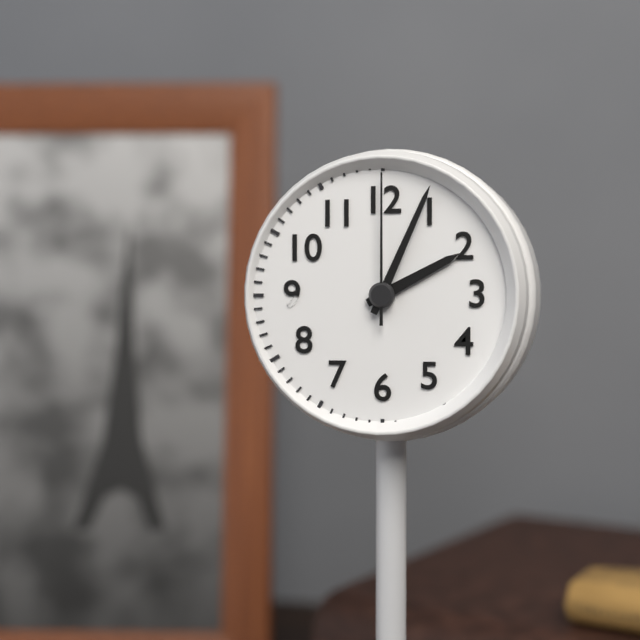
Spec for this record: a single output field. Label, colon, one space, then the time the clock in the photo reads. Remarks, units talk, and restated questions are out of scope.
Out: 2:04:00
